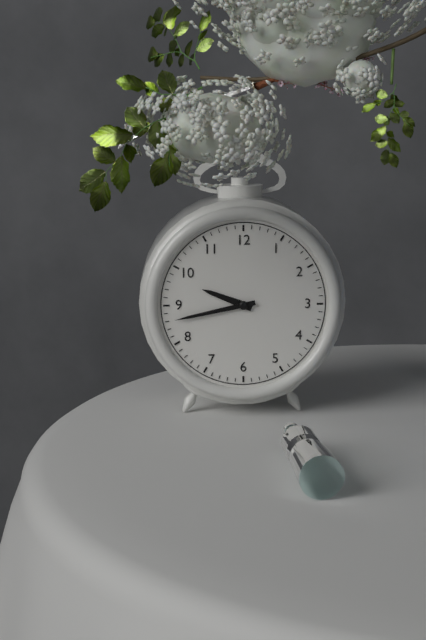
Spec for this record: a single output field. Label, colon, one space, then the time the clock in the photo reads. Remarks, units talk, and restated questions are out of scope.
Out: 9:43
